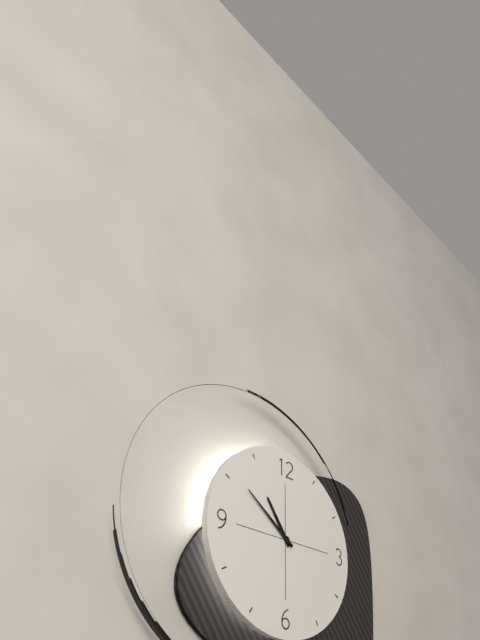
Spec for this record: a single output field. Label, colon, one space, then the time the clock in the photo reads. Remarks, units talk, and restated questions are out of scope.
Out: 10:51
